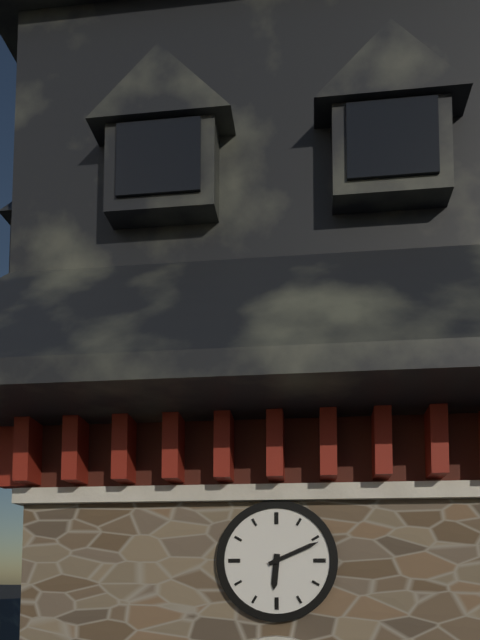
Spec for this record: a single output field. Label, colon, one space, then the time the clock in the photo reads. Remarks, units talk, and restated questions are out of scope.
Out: 6:11
